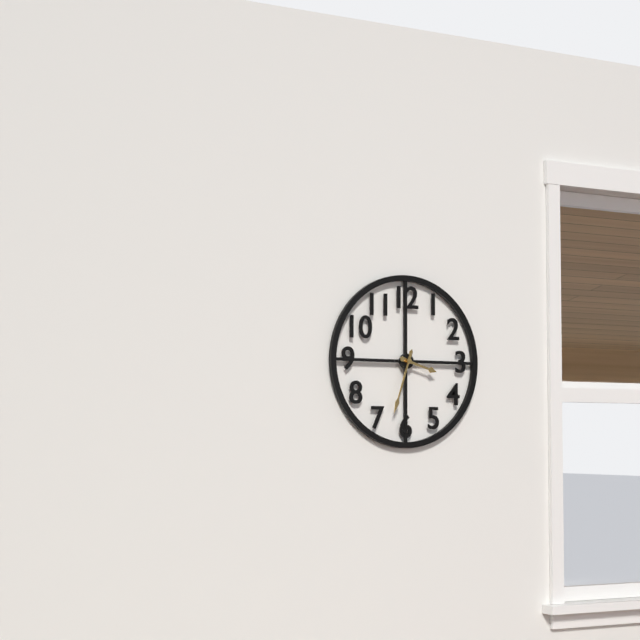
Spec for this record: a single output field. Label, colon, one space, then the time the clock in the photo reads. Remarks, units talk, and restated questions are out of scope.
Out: 3:33
